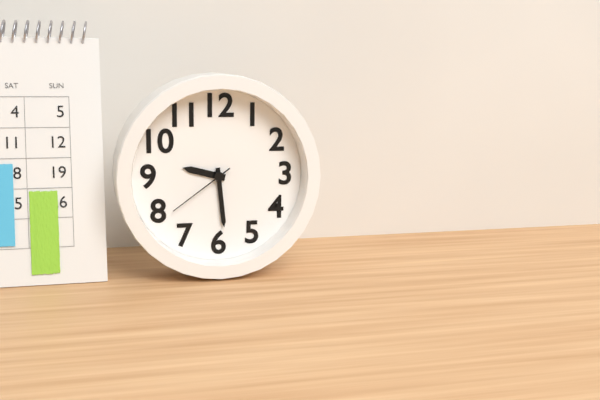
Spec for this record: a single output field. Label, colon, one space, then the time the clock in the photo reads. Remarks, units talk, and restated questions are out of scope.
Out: 9:29:39
